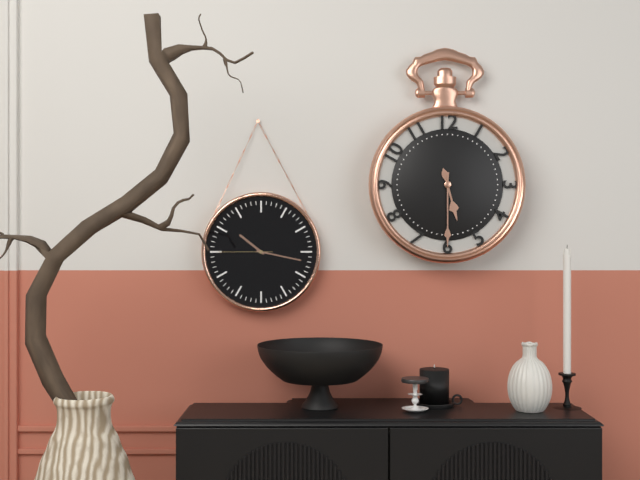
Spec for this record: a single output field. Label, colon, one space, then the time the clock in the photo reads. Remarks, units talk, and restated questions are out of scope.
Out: 5:30
